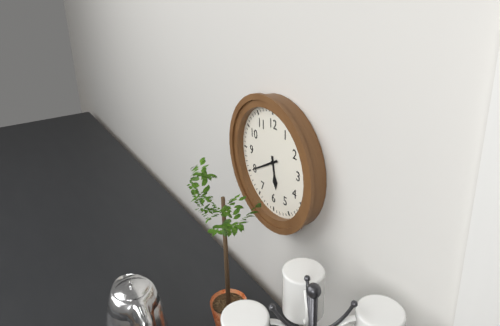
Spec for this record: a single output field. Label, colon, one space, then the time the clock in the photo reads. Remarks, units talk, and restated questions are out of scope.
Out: 5:40
